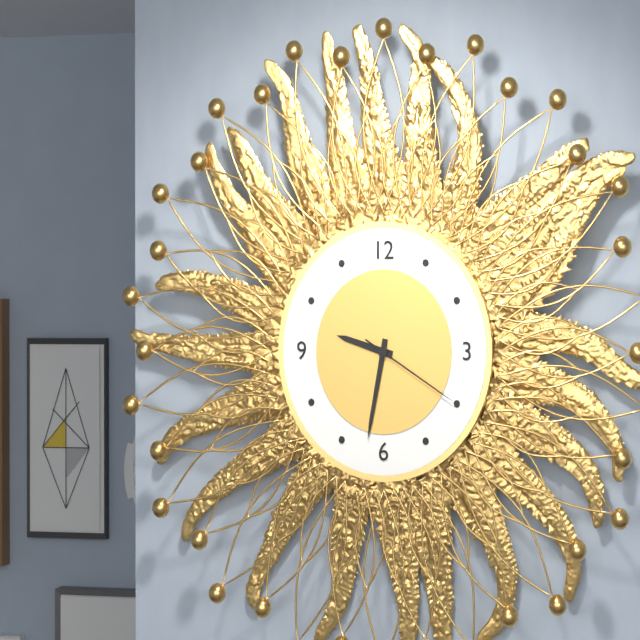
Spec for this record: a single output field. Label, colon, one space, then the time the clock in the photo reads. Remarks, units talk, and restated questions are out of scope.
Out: 9:32:20
